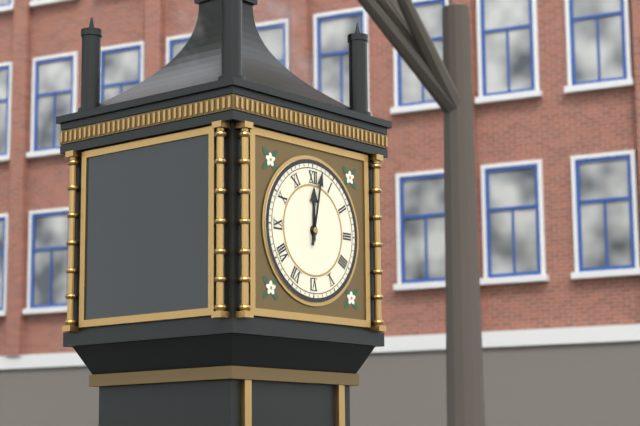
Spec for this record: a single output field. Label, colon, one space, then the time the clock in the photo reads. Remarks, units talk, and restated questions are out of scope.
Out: 12:02
